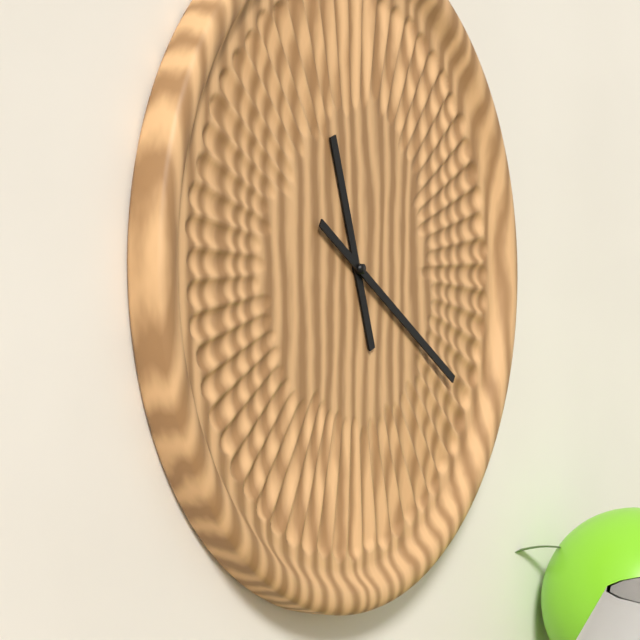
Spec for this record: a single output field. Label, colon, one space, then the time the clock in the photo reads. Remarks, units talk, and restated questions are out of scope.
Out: 11:20
